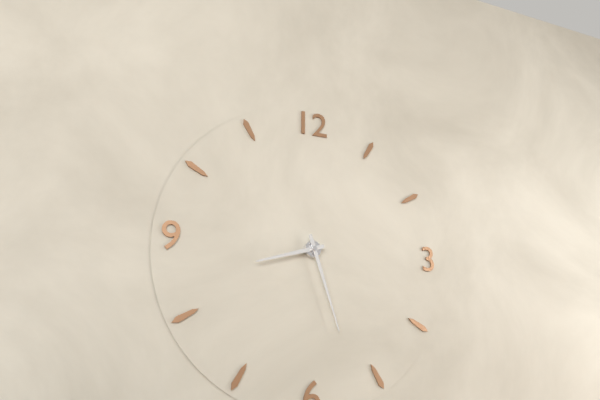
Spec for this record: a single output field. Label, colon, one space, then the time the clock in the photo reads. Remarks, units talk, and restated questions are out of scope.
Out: 8:27
